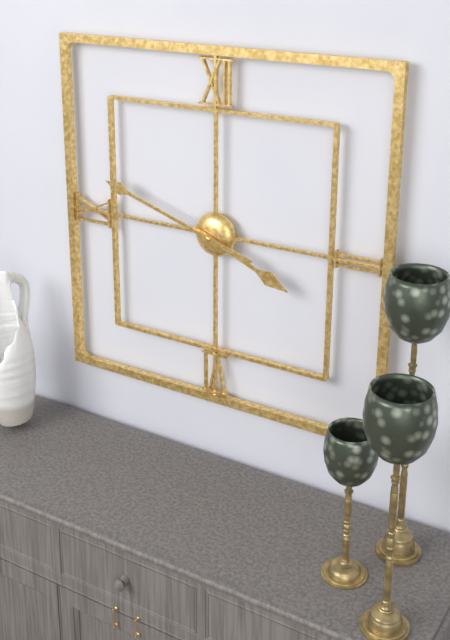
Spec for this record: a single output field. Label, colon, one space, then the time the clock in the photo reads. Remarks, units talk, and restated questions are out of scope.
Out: 3:48
